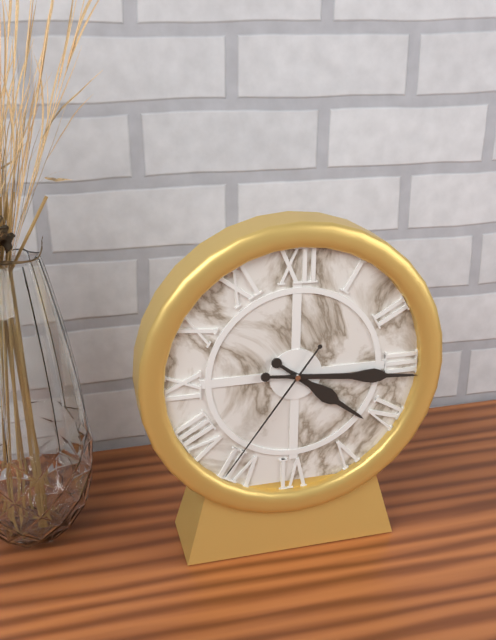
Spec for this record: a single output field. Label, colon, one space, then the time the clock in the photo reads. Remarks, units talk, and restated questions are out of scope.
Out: 4:16:36
